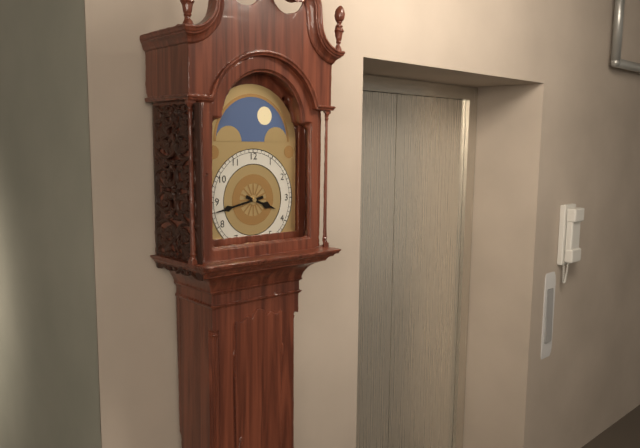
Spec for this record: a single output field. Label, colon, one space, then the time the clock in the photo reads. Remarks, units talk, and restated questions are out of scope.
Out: 3:43
